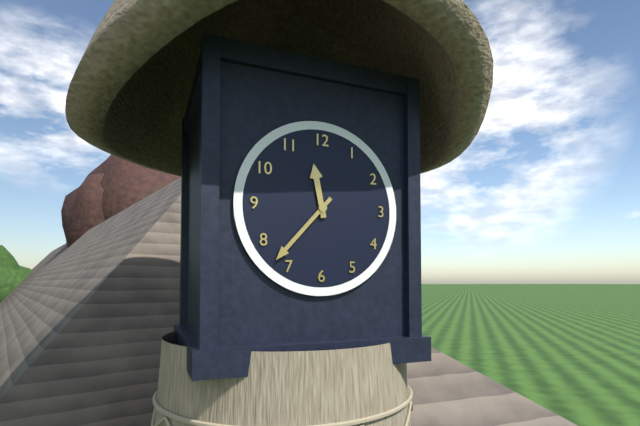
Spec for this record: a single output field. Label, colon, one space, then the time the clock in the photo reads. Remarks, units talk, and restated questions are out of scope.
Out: 11:37
